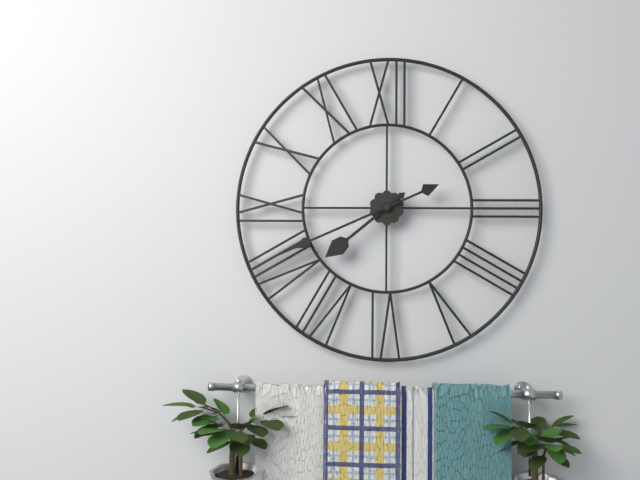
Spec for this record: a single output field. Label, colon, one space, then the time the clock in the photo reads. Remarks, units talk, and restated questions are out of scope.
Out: 7:41
